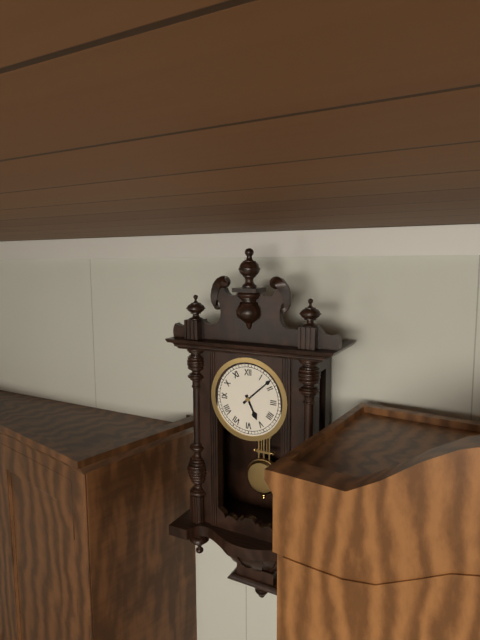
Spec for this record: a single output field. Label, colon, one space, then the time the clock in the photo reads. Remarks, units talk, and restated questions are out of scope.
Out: 5:08
